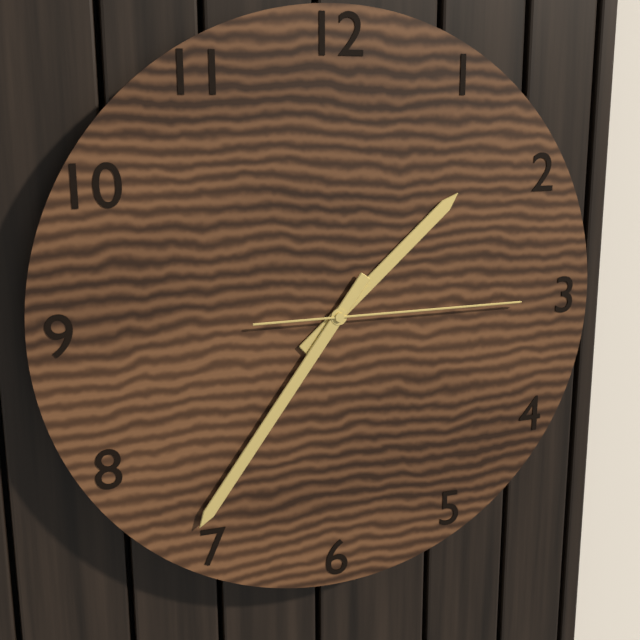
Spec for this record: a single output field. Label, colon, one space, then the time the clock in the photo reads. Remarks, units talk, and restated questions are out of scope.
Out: 1:36:15
